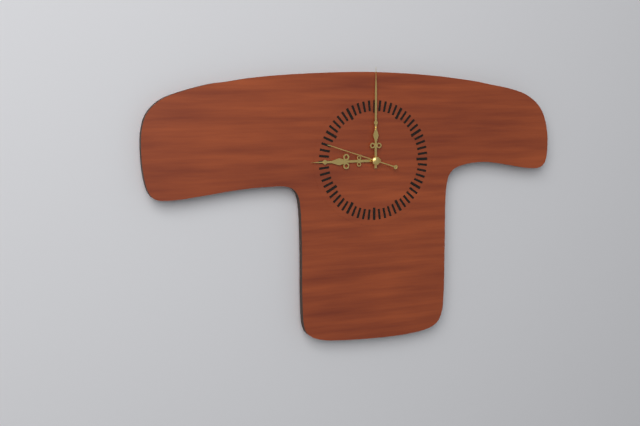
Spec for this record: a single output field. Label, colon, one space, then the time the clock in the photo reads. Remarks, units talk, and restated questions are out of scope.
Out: 9:00:48
